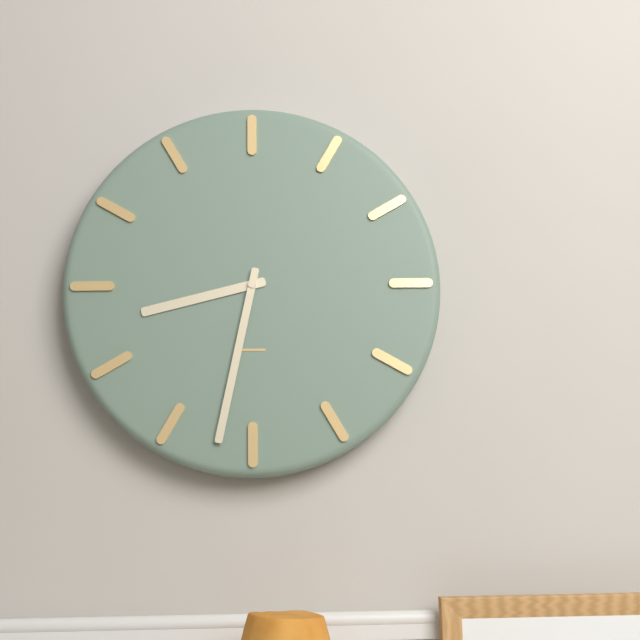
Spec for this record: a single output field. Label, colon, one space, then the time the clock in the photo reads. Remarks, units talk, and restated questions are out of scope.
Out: 8:32
